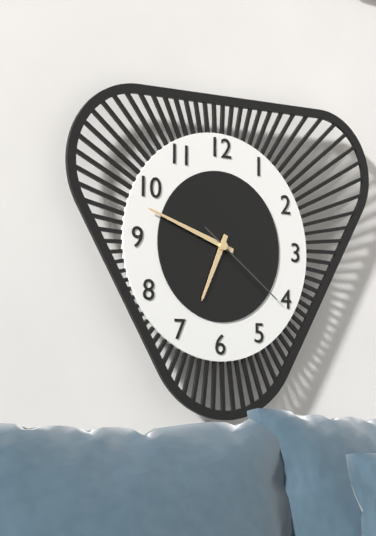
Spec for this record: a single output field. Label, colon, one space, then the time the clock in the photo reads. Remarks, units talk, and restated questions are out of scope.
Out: 6:48:21
